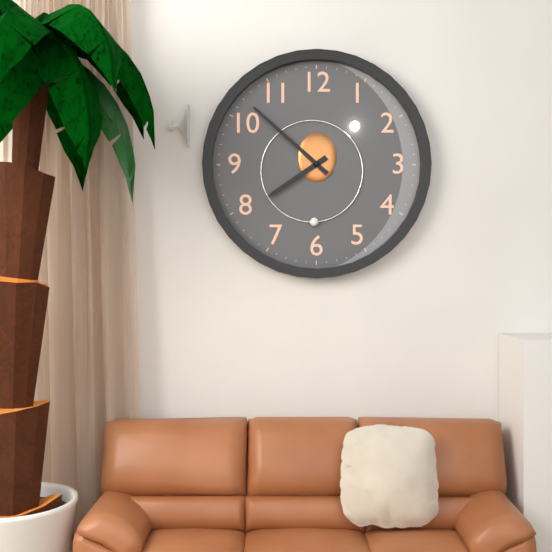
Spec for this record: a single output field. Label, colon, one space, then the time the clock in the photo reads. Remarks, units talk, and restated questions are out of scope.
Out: 7:52
